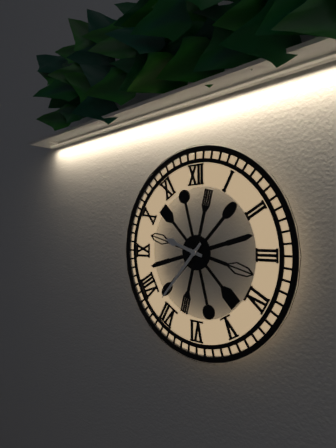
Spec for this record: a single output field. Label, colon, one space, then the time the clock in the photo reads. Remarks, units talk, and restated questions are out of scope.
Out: 9:37
